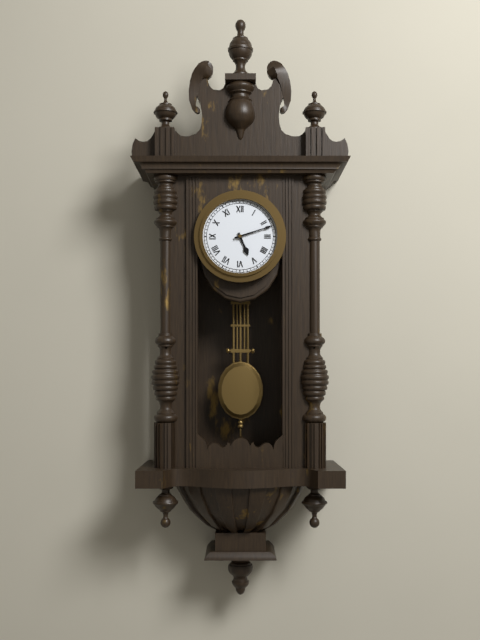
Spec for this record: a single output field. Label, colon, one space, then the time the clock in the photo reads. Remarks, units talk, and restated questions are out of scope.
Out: 5:12
